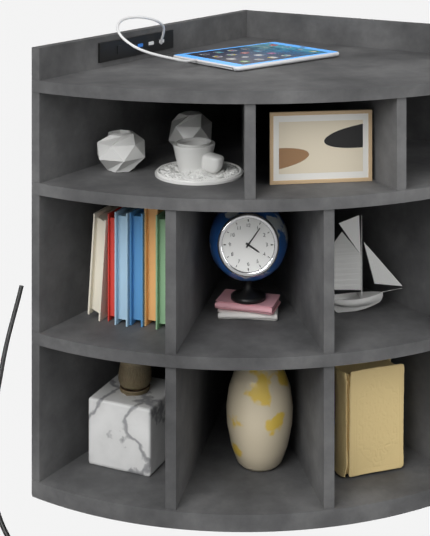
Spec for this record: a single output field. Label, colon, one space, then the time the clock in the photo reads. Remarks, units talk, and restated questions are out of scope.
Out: 4:06
